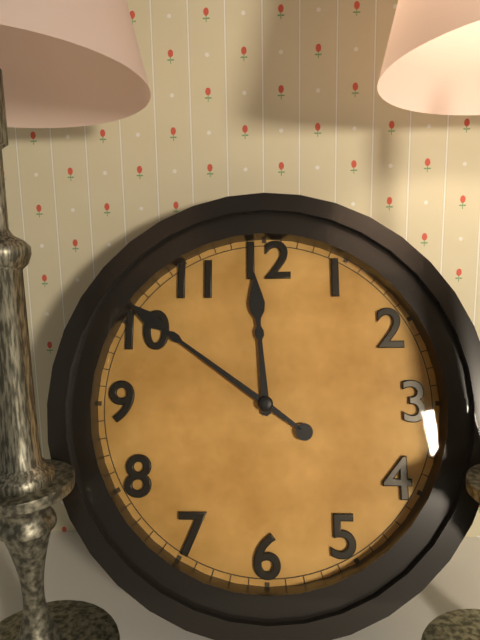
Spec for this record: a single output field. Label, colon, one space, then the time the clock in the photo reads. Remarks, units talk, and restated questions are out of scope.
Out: 11:51
